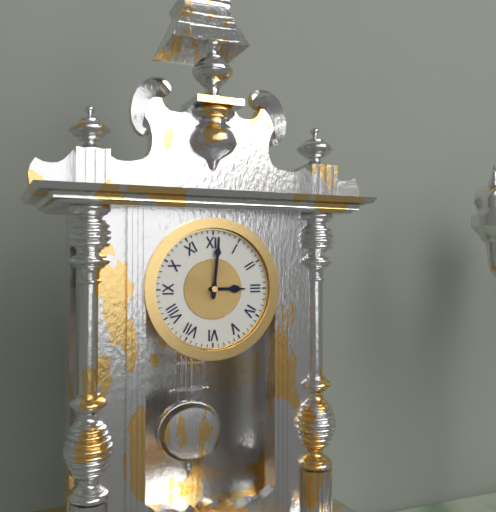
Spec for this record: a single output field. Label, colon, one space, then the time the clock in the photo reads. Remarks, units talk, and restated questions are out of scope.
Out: 3:01
